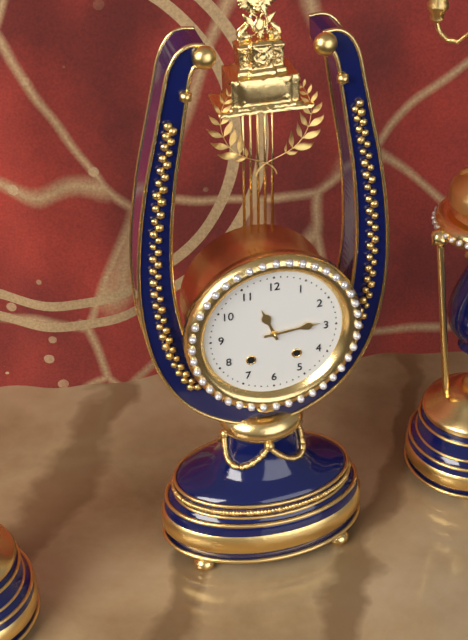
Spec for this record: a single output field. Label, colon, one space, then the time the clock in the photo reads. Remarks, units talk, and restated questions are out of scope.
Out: 11:14
